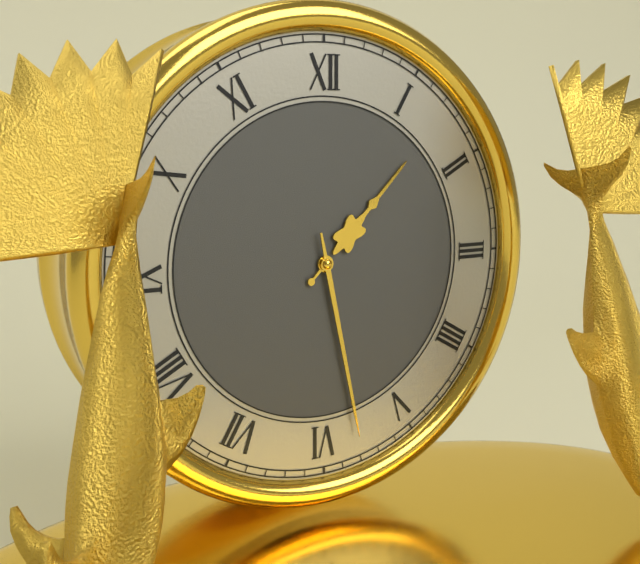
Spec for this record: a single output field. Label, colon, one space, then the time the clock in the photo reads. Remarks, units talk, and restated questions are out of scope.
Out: 1:28
